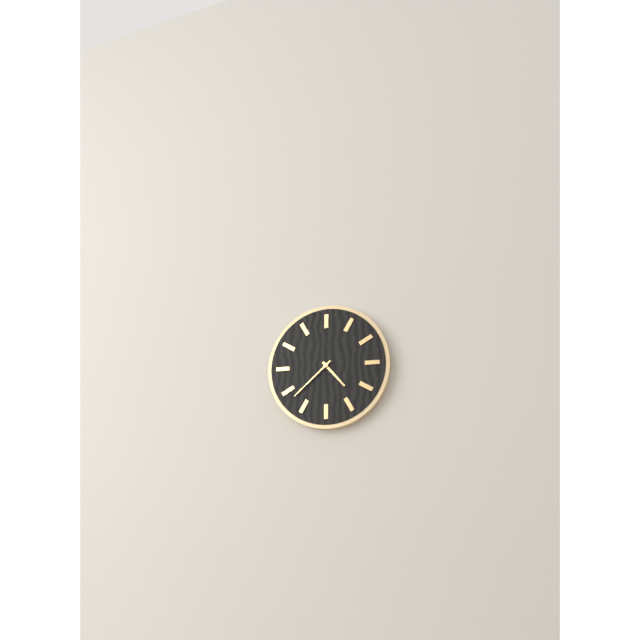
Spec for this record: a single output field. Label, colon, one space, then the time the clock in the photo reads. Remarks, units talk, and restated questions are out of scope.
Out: 4:38
